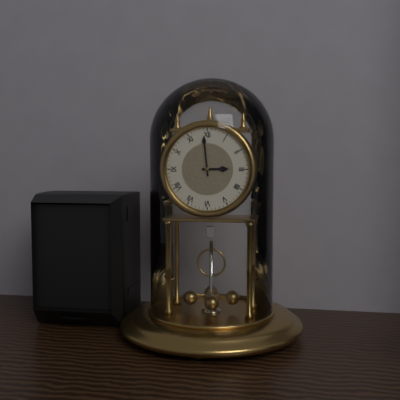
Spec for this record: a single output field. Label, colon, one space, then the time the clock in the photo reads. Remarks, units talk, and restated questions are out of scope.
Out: 2:59
